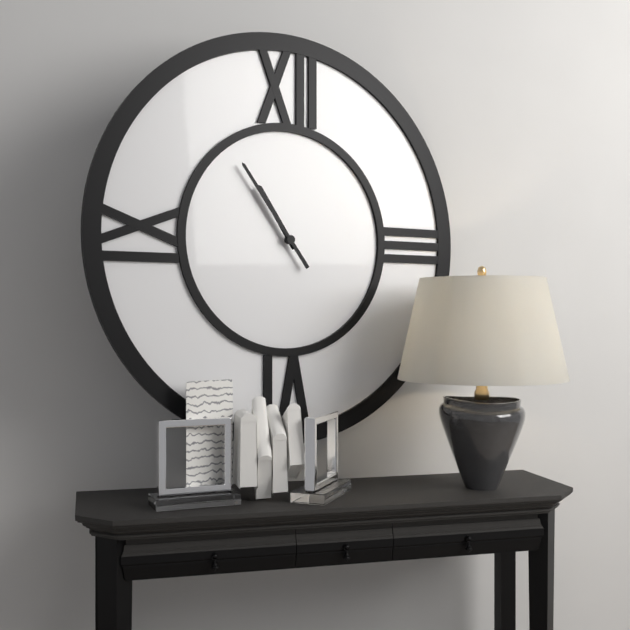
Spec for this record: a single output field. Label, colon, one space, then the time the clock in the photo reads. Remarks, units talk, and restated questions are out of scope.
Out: 10:54
